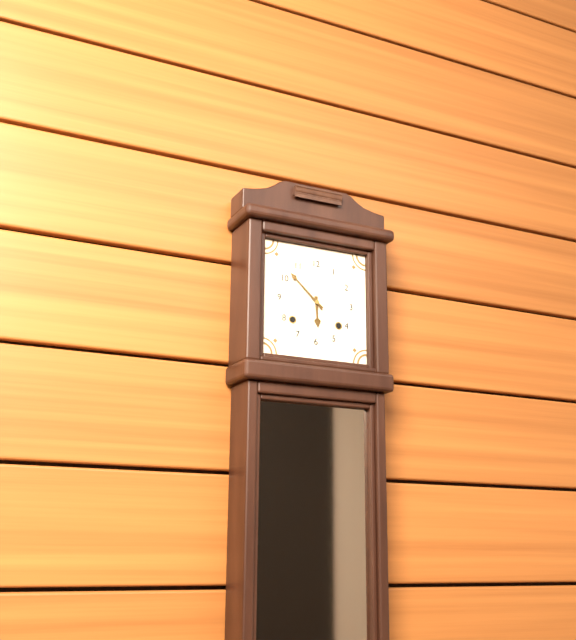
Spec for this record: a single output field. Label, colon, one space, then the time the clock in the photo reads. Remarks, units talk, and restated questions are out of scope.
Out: 5:52
